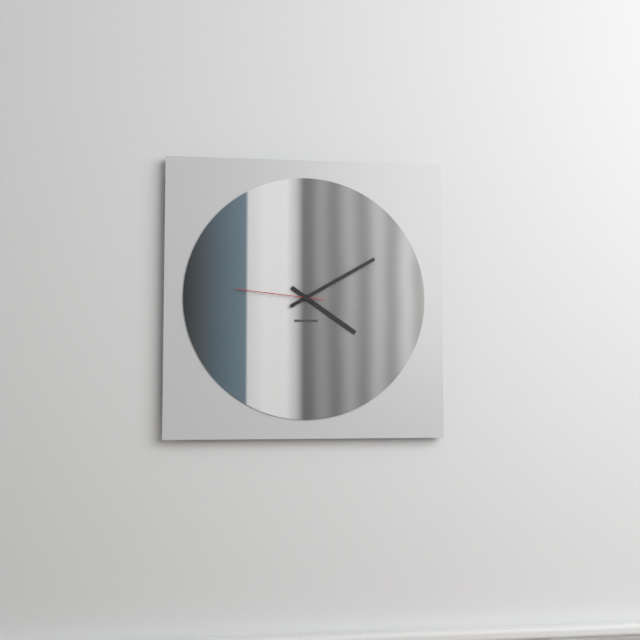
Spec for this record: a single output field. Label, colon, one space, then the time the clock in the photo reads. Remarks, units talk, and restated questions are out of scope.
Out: 4:10:46
